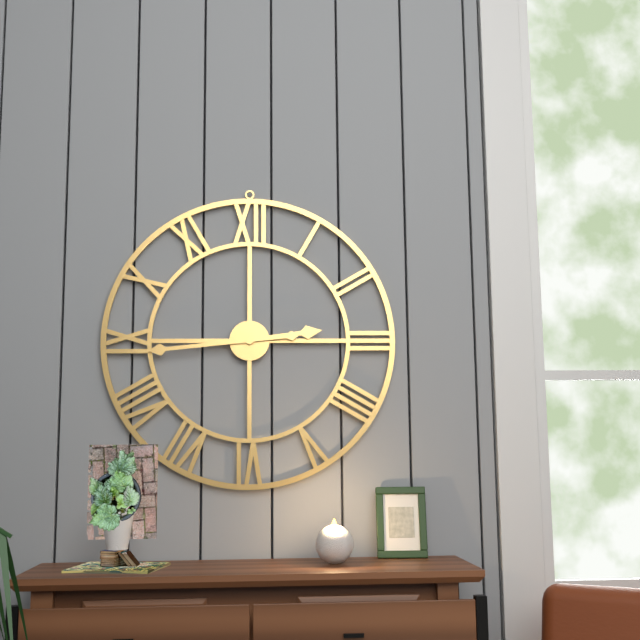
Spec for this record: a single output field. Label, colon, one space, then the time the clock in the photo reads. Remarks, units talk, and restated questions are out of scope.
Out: 2:44
